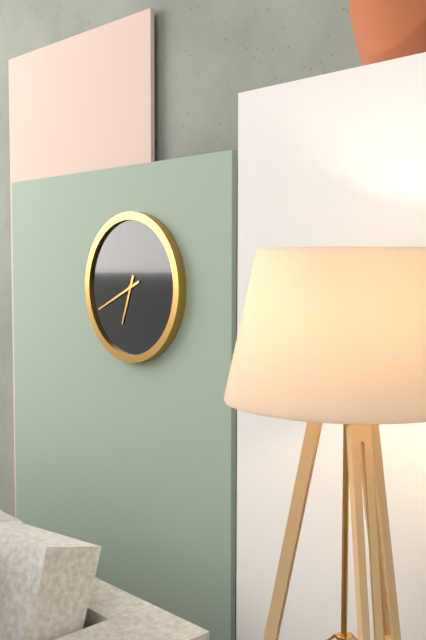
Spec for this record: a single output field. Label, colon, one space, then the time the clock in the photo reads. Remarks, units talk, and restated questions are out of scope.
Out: 6:41
